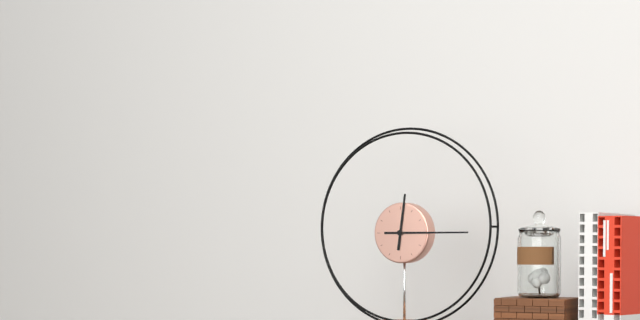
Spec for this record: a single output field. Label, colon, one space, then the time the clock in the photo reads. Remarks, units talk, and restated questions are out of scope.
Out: 12:15
